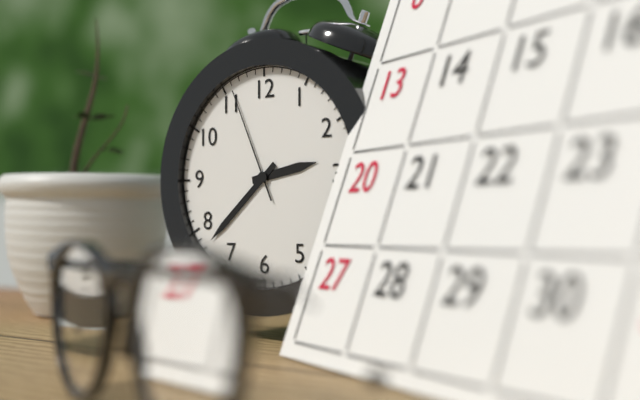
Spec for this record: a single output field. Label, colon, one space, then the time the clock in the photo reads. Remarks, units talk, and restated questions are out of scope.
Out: 2:38:56
